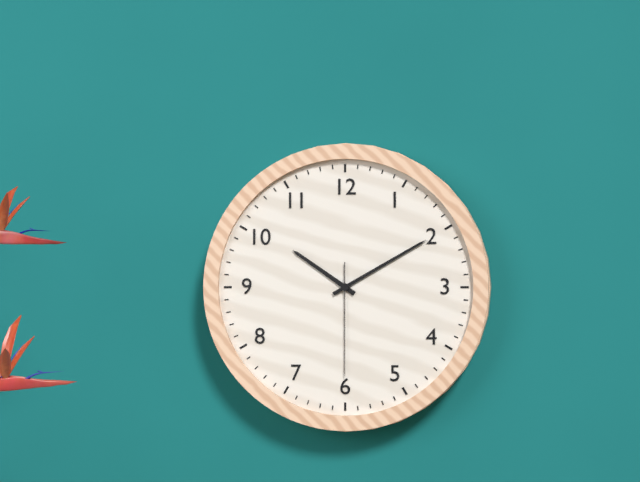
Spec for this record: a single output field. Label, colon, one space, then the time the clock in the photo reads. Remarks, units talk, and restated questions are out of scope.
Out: 10:10:30
